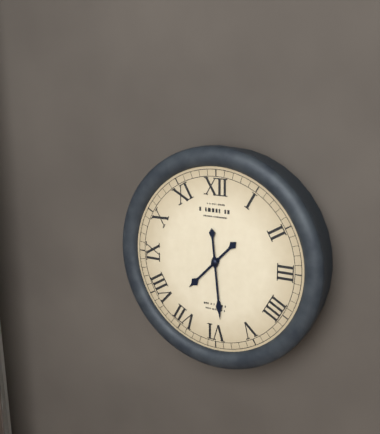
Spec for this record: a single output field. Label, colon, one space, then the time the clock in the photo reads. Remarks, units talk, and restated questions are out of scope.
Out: 7:29
